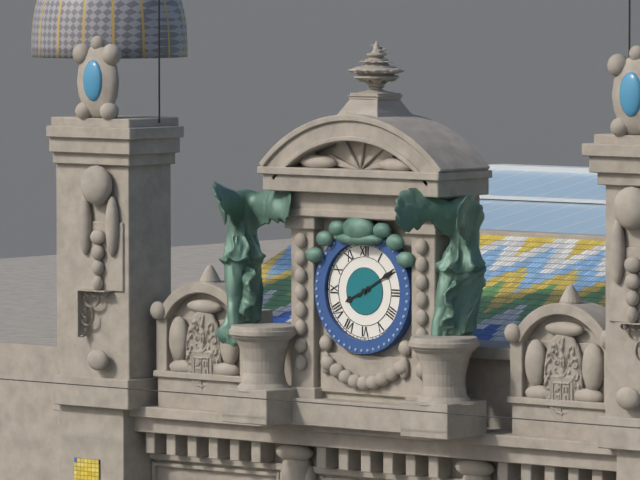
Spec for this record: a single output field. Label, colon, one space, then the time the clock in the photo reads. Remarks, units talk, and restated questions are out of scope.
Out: 8:10
